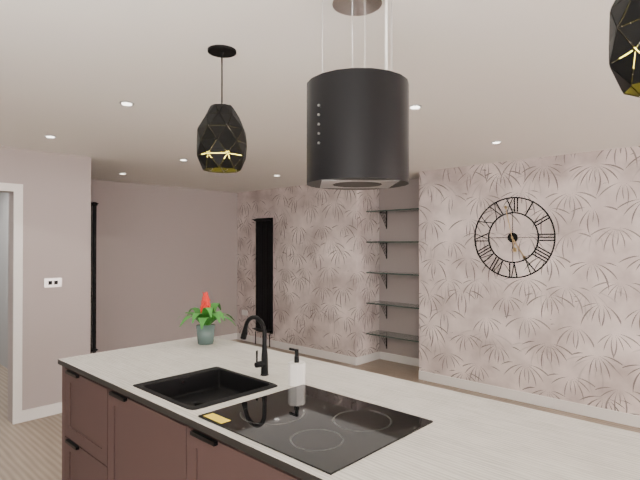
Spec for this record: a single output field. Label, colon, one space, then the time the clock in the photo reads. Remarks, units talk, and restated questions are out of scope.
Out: 4:58
